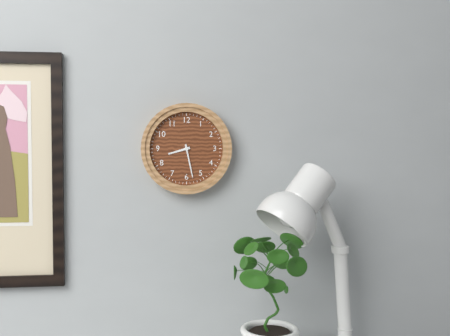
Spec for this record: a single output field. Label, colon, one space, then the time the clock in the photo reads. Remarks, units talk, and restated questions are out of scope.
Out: 8:28
